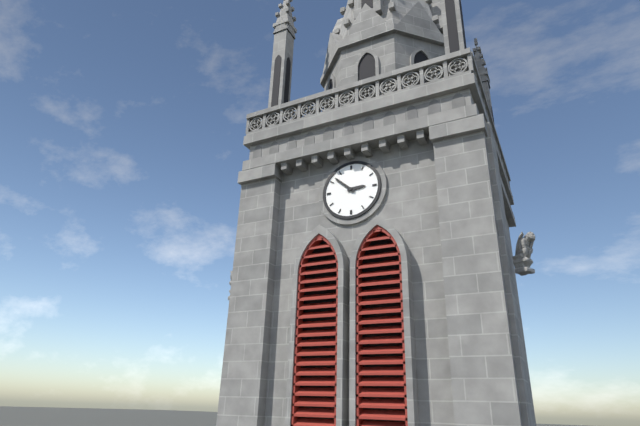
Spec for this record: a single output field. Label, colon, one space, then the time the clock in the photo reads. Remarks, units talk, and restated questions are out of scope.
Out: 2:52
